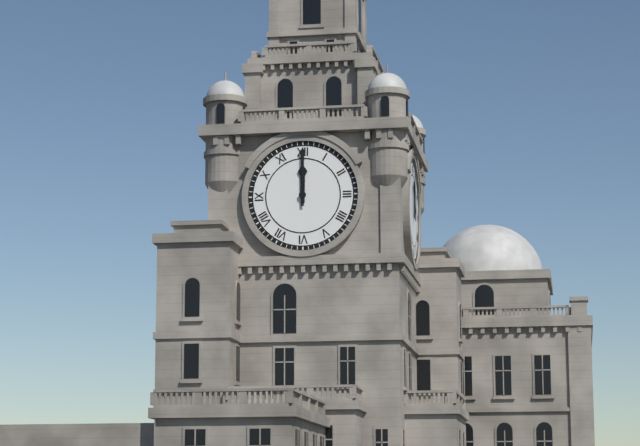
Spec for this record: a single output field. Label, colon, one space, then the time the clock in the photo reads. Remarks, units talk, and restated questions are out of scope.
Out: 12:00
